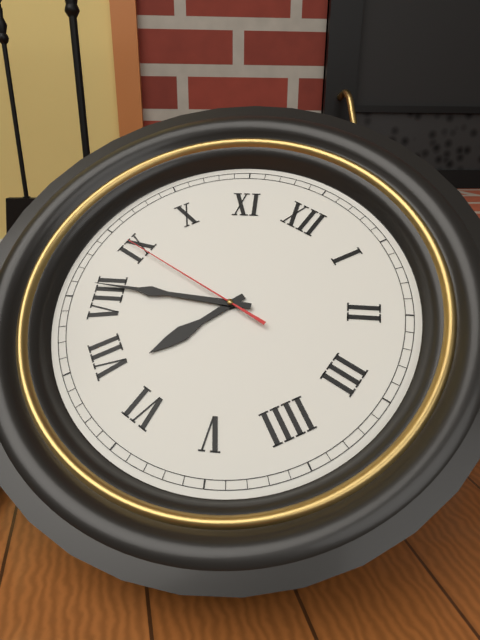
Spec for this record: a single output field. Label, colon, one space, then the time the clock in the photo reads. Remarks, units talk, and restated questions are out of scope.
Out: 6:41:45
